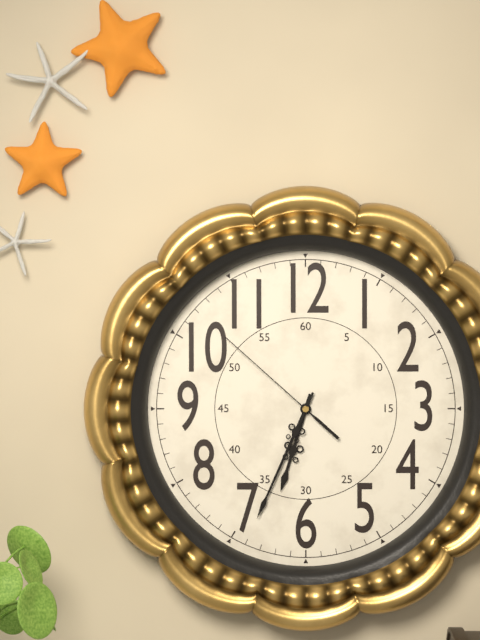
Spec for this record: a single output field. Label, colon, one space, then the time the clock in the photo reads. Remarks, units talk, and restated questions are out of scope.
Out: 6:34:52
